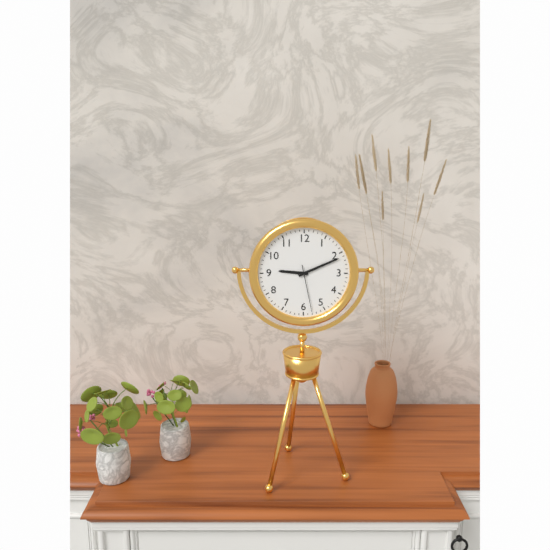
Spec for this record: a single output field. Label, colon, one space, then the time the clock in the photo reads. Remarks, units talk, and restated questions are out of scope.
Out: 9:11
